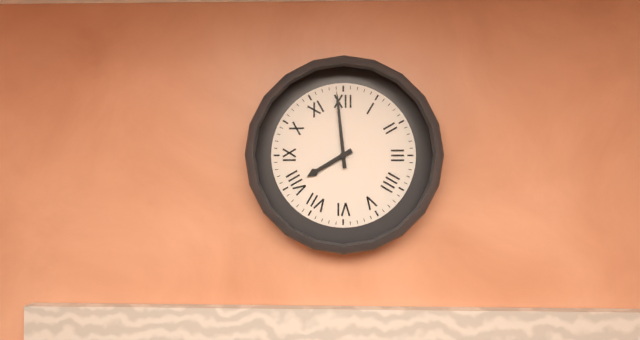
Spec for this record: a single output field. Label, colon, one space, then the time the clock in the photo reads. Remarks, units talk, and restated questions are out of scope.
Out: 7:59
